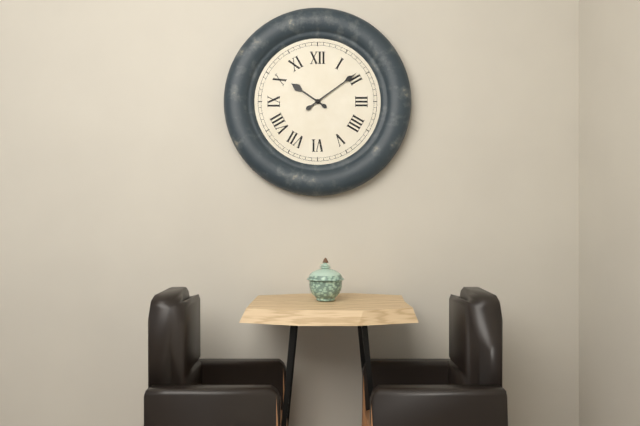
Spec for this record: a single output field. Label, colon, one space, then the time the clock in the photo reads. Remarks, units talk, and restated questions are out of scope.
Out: 10:09
